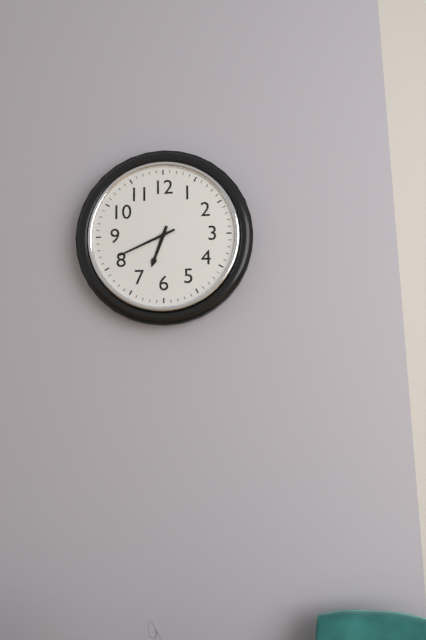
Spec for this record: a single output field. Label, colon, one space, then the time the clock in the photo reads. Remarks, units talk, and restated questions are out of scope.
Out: 6:41
